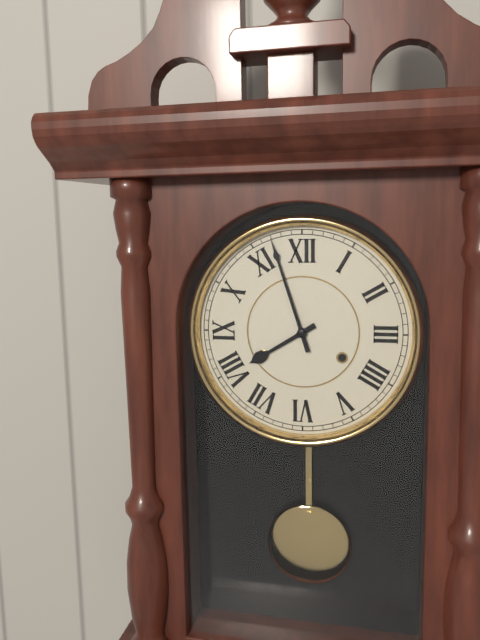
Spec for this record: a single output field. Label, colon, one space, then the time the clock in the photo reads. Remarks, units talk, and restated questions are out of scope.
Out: 7:57
